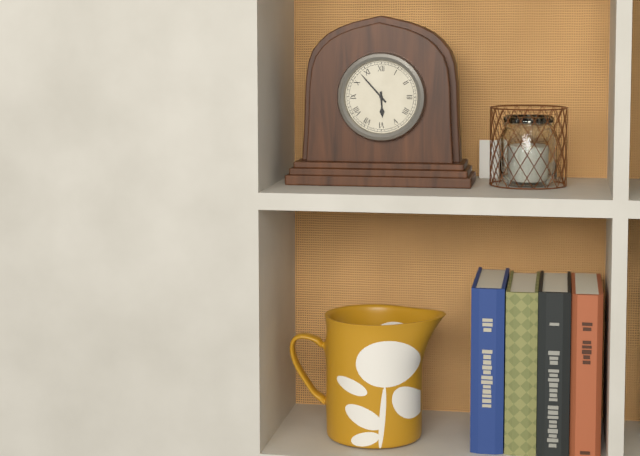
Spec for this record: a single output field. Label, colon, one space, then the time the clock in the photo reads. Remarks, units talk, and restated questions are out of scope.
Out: 5:53
